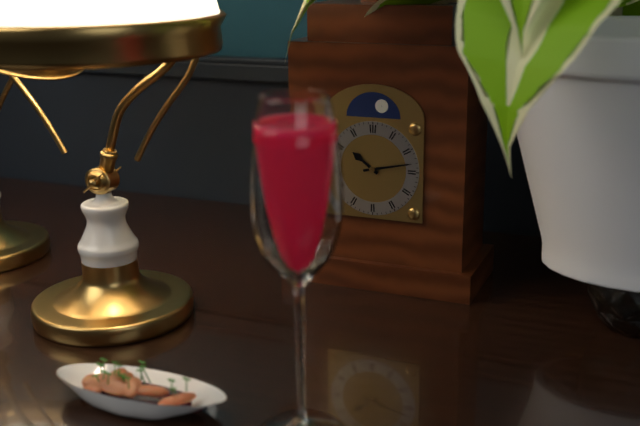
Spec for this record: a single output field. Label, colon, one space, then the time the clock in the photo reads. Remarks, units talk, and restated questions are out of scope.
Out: 10:13
